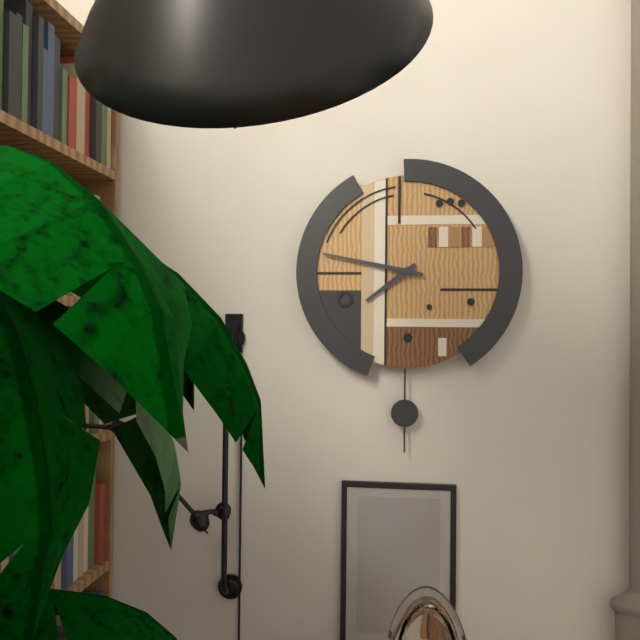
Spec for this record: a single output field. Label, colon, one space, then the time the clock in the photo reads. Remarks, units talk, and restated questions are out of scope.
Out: 7:47
